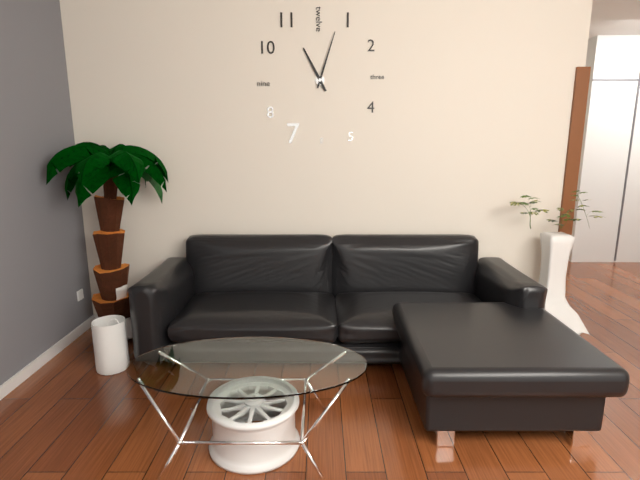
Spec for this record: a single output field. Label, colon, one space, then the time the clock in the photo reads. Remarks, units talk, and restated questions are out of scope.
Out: 11:03
